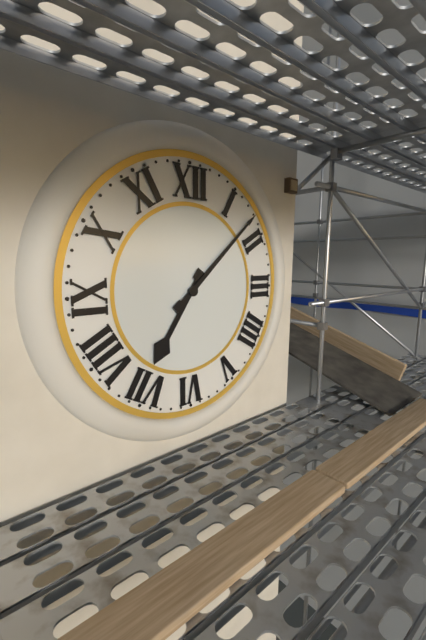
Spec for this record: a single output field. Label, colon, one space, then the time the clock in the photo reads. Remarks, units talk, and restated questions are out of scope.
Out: 7:08
